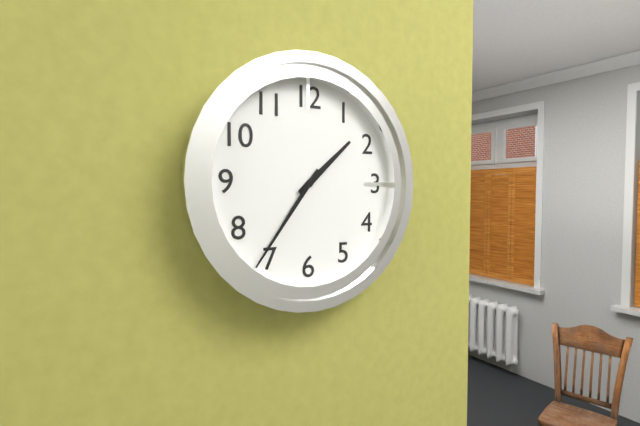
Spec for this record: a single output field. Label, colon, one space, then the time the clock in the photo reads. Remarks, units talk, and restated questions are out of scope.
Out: 1:36
